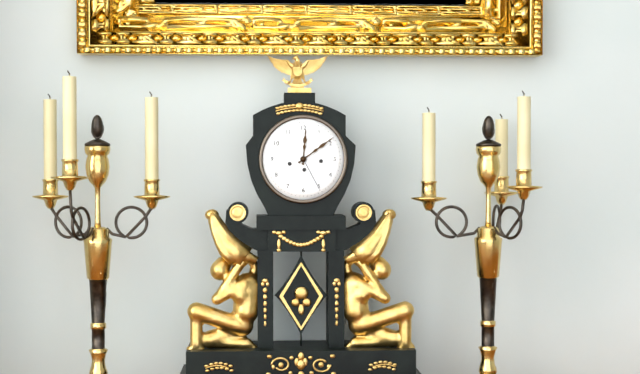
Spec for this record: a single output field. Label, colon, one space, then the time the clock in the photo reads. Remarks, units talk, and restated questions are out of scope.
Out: 12:09
